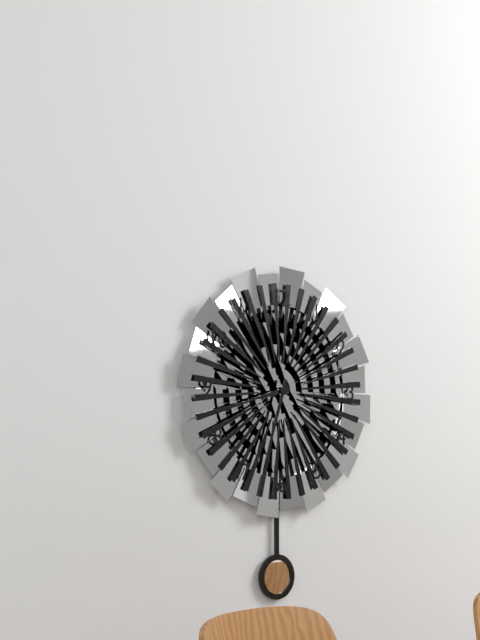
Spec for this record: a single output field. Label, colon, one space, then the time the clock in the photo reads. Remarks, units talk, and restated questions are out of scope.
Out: 8:33
